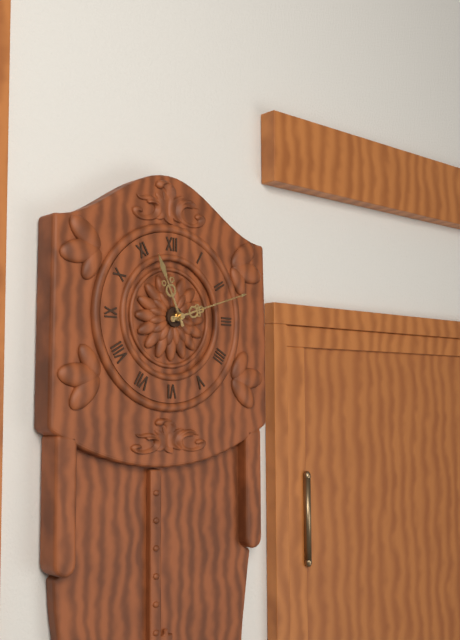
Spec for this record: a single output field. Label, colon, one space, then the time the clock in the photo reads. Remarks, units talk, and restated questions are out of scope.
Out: 11:12
